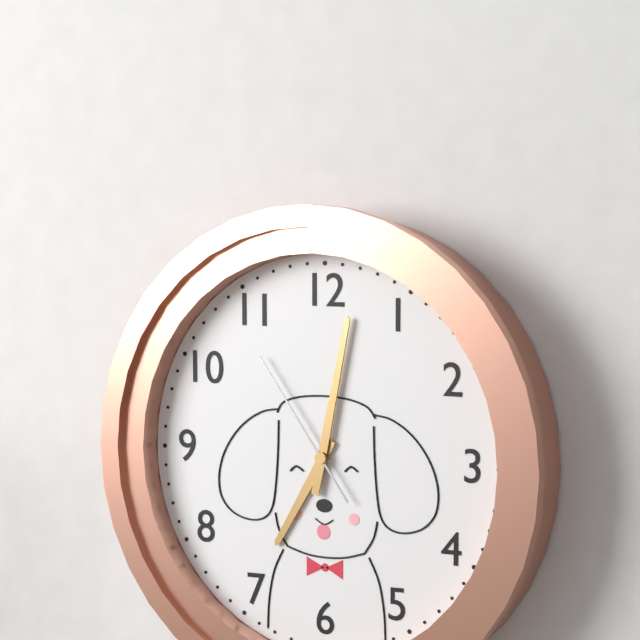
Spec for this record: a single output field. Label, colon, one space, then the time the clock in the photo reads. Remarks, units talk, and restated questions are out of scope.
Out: 7:02:54
